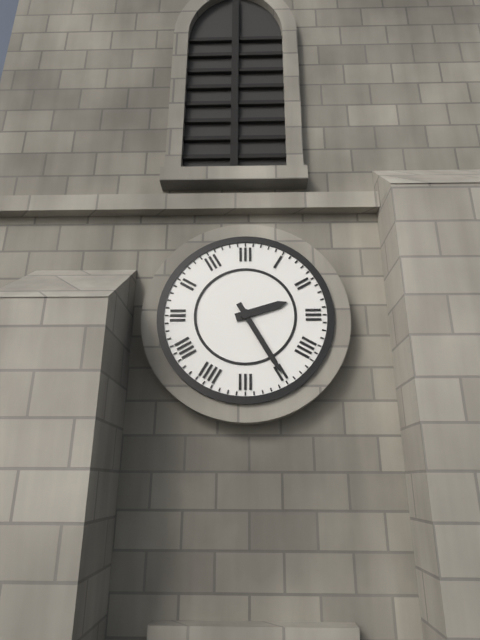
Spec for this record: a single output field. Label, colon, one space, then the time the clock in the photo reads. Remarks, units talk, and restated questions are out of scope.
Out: 2:25
